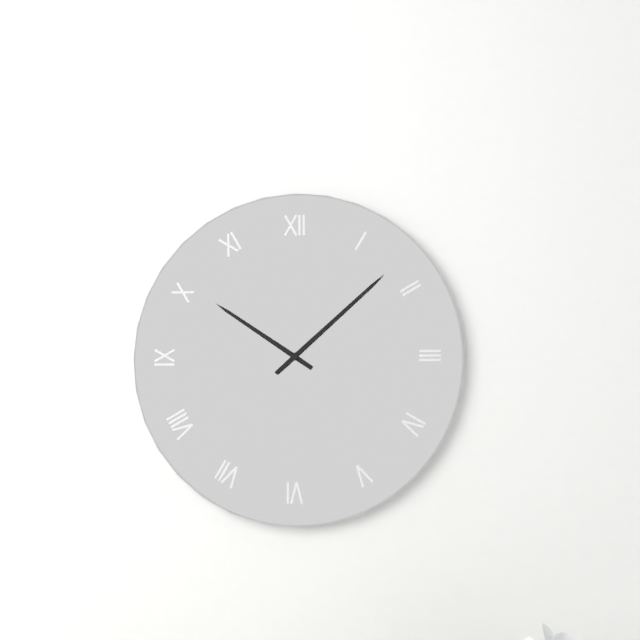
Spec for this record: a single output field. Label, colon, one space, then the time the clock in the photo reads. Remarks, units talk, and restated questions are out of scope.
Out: 10:08
